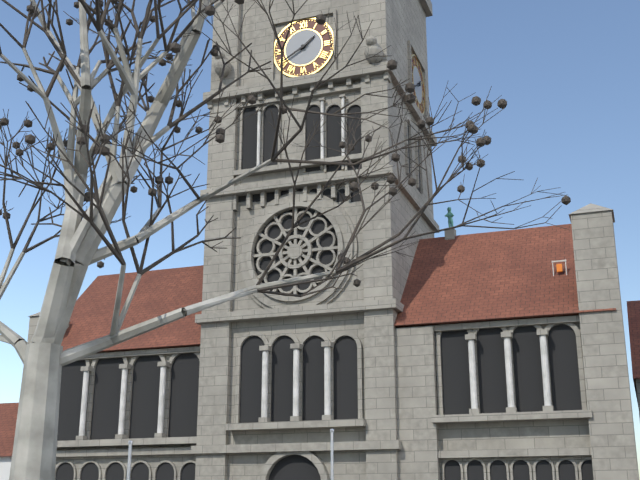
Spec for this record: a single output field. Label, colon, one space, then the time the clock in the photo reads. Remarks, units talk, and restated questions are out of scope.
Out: 1:40
